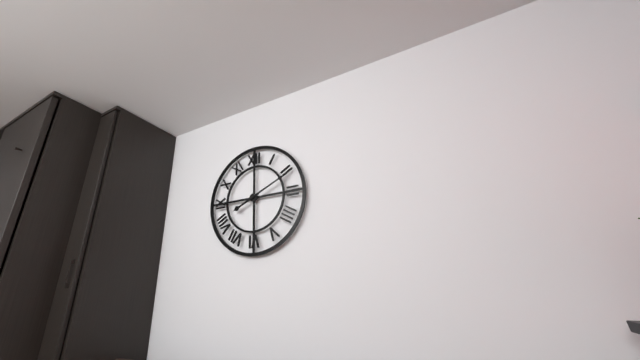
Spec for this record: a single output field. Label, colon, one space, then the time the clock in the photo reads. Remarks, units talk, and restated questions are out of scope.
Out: 8:11
